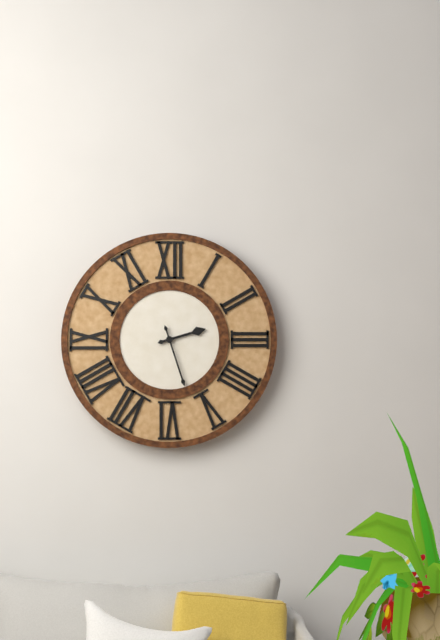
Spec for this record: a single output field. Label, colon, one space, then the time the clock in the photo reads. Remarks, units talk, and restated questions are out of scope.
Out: 2:27
